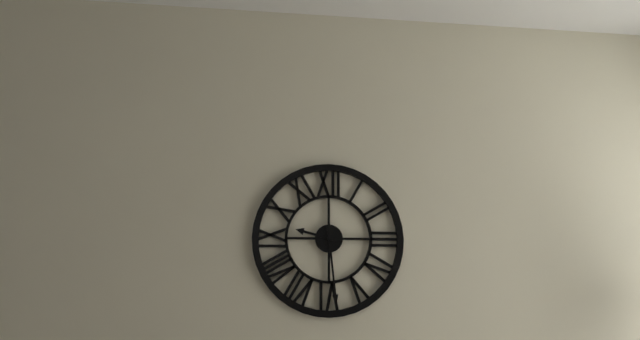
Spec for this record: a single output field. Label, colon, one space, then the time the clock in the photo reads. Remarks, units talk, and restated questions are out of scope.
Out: 9:29
